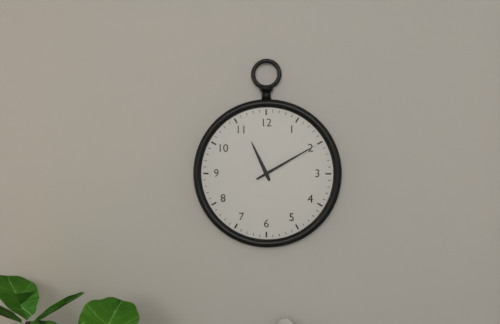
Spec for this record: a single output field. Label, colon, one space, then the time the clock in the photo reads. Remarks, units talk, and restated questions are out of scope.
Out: 11:10
